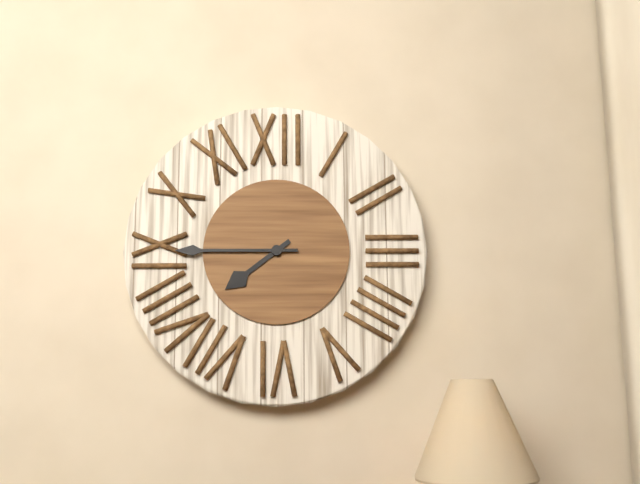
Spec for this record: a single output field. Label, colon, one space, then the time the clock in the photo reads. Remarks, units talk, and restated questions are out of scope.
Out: 7:45
